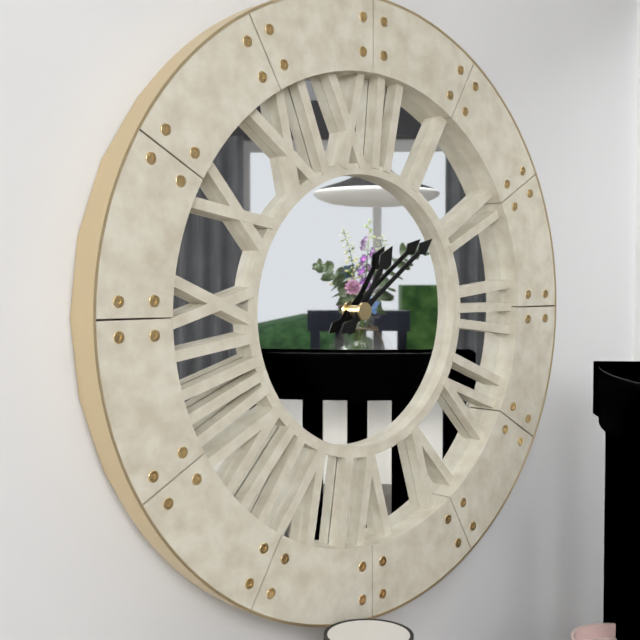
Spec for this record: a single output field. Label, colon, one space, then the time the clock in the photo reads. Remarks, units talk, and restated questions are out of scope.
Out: 1:09
